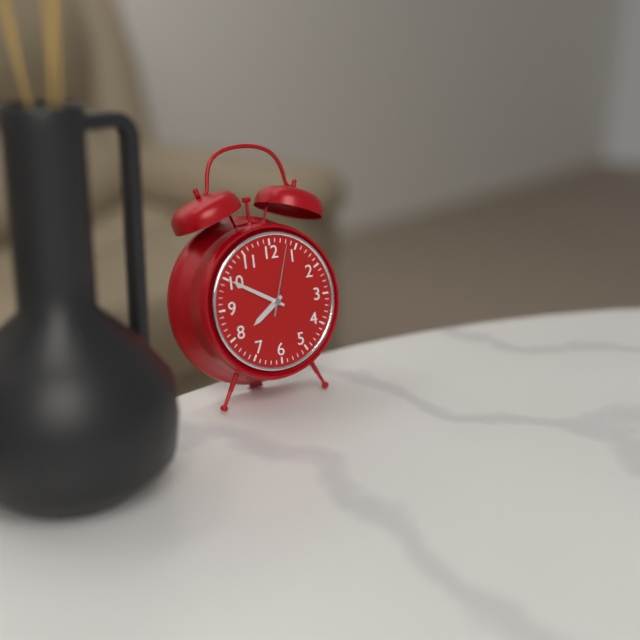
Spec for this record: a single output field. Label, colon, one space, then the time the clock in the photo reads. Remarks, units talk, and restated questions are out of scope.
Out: 7:50:03
